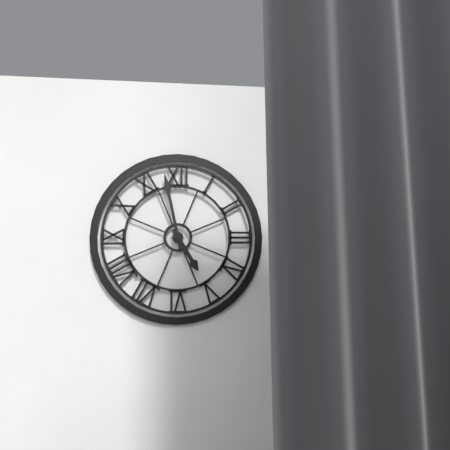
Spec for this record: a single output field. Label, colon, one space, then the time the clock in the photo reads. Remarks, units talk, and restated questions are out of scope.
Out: 4:58
